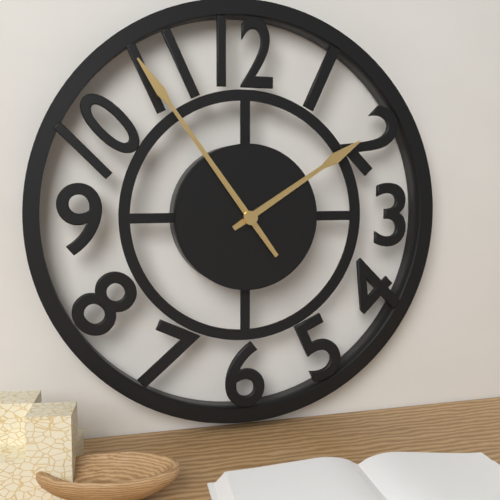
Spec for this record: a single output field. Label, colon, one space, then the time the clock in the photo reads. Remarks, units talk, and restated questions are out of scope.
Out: 1:54
